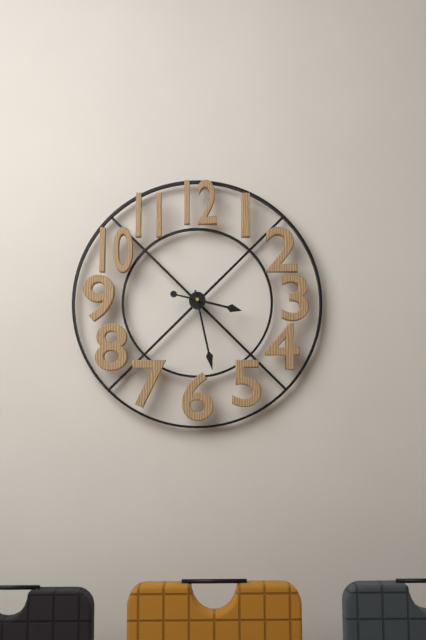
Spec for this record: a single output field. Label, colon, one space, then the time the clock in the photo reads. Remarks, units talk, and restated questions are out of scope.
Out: 3:28
